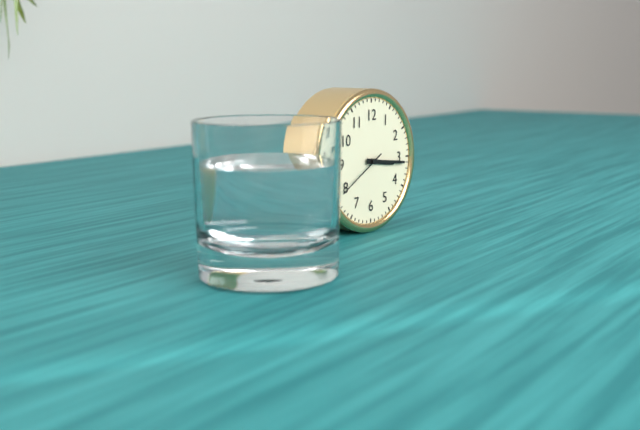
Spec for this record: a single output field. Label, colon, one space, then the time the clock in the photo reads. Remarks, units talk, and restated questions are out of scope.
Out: 3:16
